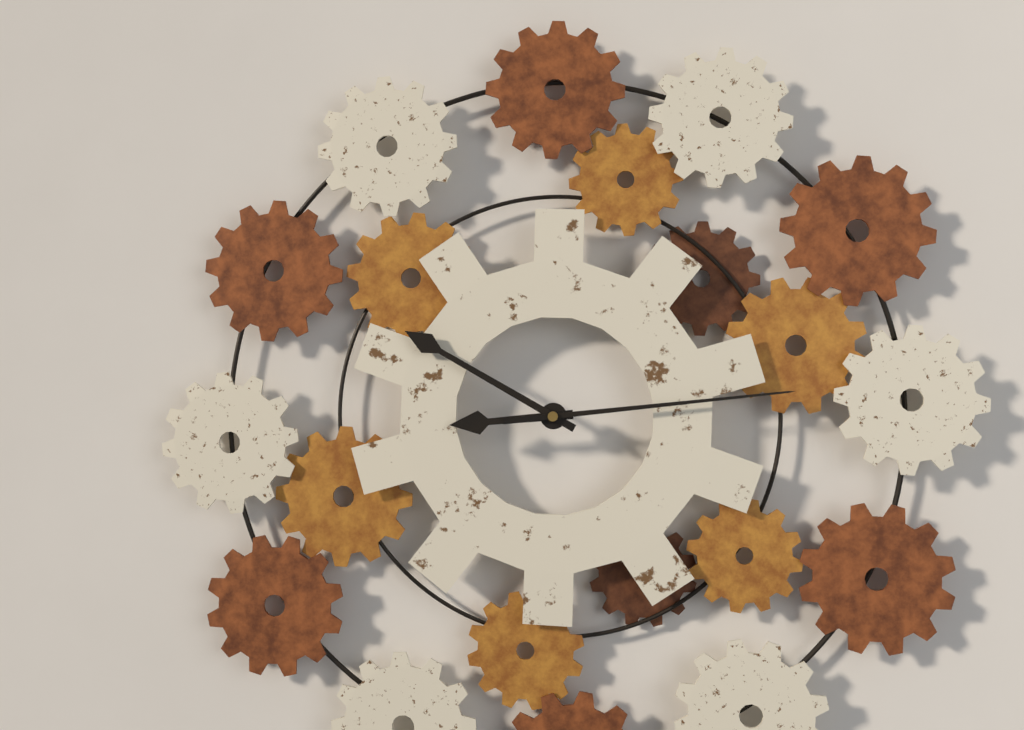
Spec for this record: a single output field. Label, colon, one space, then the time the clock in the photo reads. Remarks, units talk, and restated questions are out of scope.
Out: 8:50:14
